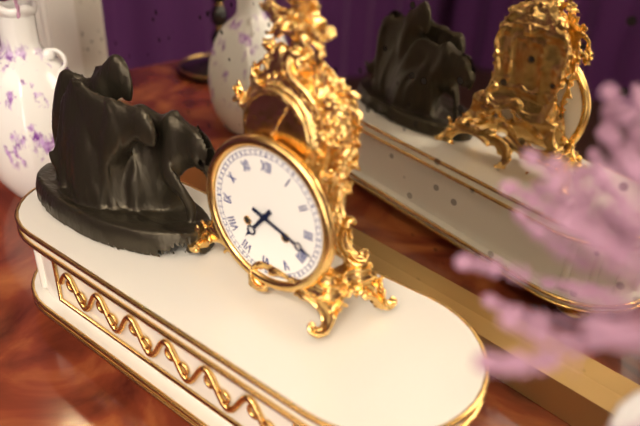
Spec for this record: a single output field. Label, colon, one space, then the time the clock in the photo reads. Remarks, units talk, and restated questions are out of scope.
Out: 7:18
